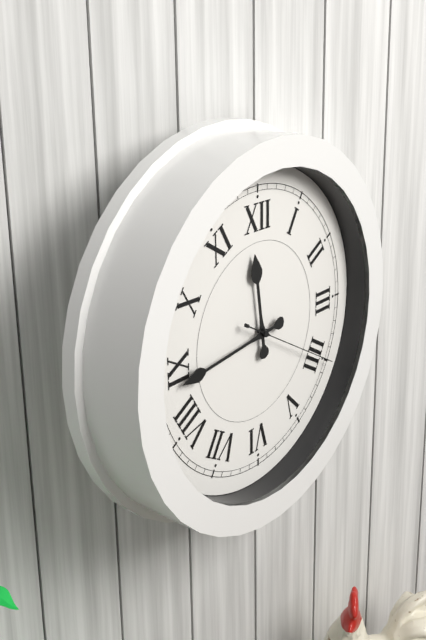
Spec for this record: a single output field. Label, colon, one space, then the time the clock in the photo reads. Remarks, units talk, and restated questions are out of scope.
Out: 11:44:20
